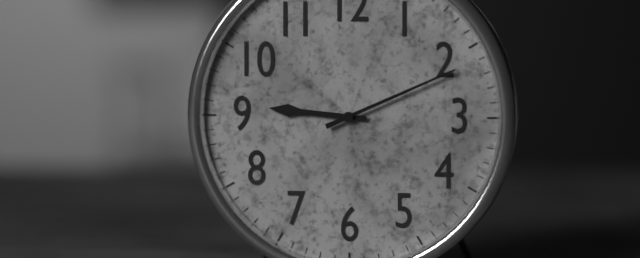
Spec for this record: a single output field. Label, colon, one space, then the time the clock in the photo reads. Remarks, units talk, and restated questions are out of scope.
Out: 9:11
